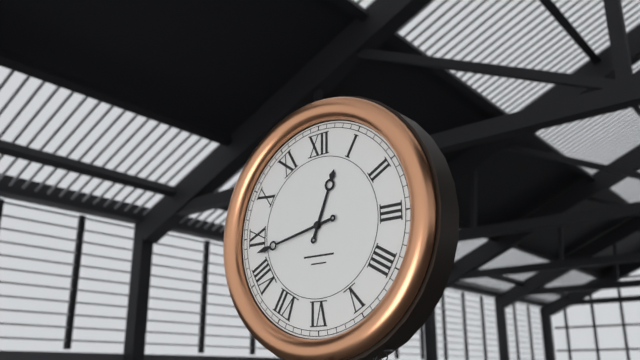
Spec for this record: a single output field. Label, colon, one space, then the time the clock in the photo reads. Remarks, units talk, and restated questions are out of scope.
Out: 12:43
